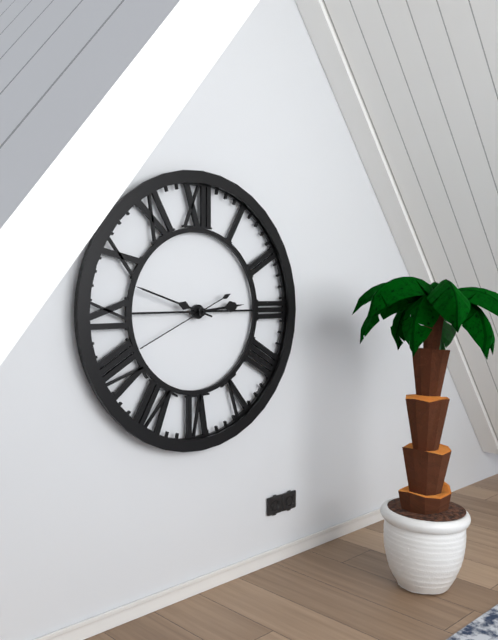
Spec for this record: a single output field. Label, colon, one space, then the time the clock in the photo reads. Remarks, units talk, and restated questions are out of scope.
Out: 2:48:41
